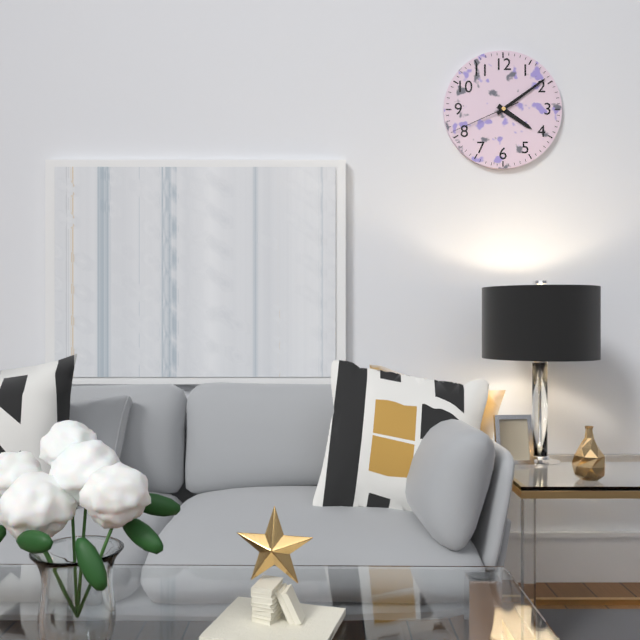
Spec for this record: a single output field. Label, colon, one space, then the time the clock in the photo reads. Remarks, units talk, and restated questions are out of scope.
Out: 4:09:41
